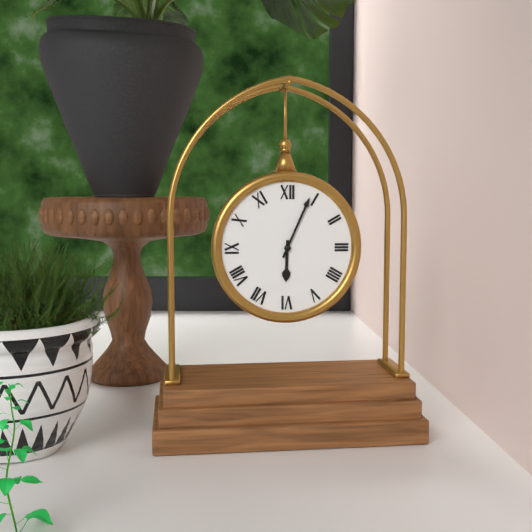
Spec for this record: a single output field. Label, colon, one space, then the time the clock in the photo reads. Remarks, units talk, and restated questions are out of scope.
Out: 6:04
